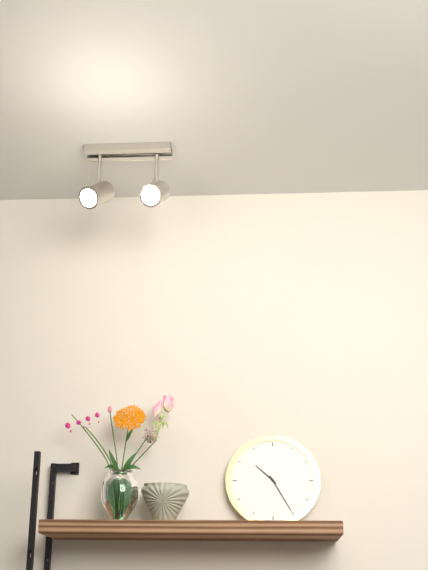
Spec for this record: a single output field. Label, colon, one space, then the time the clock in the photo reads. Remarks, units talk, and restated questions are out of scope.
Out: 10:25
